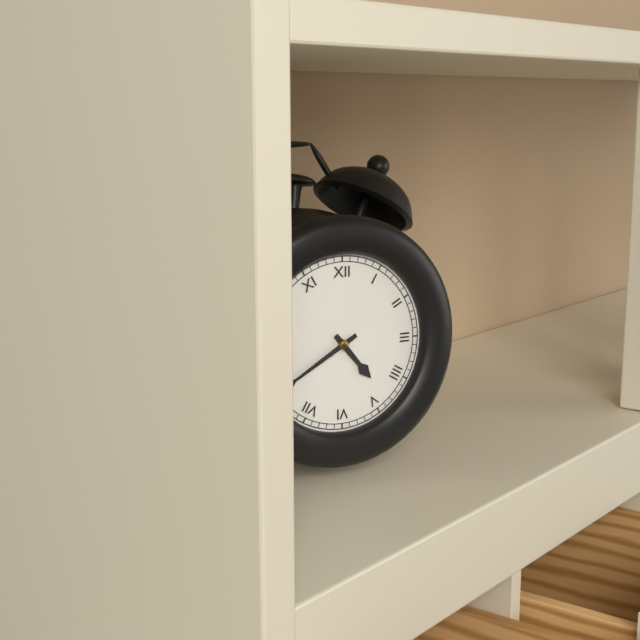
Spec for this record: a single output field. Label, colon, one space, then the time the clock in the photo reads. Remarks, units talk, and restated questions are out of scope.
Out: 4:40
